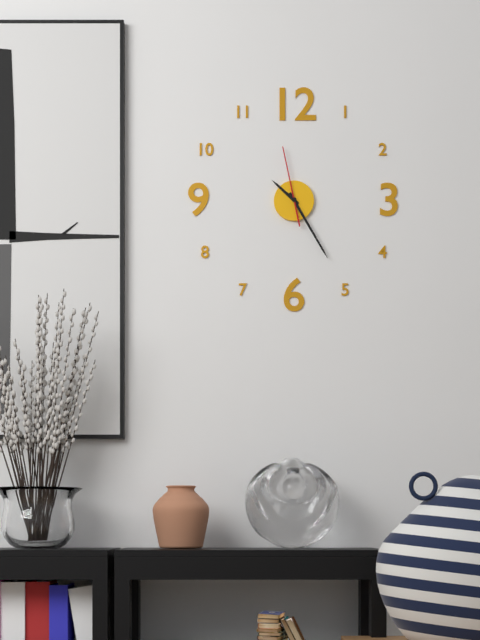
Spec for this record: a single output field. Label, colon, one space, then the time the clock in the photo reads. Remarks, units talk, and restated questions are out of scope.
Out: 10:25:58
